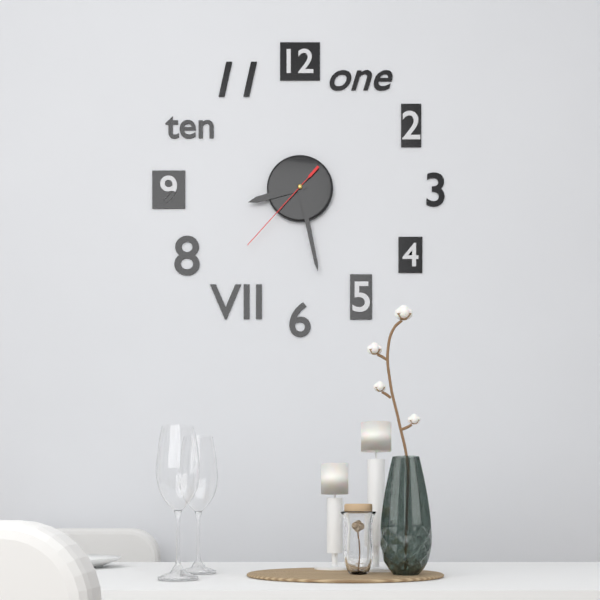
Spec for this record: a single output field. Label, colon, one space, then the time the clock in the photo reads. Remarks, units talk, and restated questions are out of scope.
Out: 8:28:37
